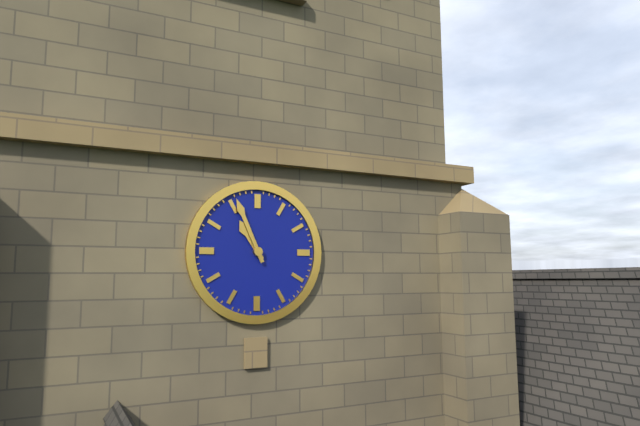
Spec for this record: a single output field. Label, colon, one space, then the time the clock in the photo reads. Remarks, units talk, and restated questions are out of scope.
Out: 10:56
